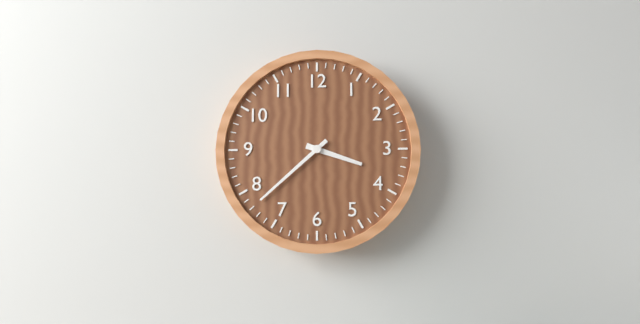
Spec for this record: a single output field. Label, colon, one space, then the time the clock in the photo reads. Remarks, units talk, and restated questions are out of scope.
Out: 3:38
